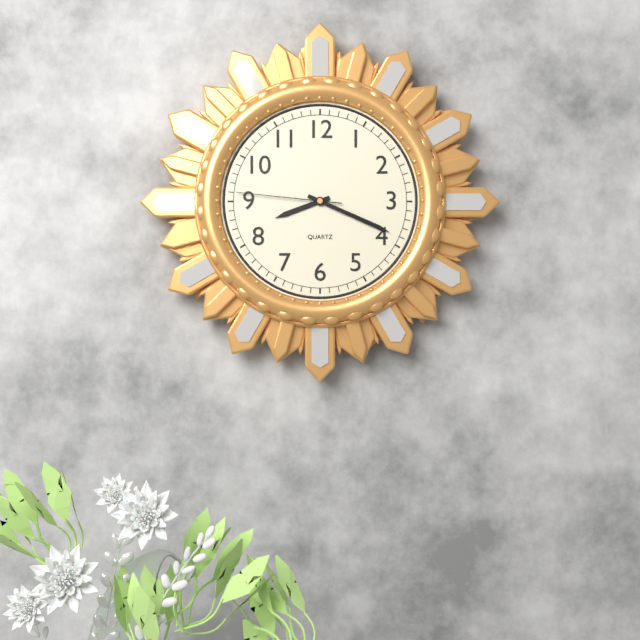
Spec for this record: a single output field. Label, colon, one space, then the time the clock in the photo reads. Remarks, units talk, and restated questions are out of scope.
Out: 8:19:46
